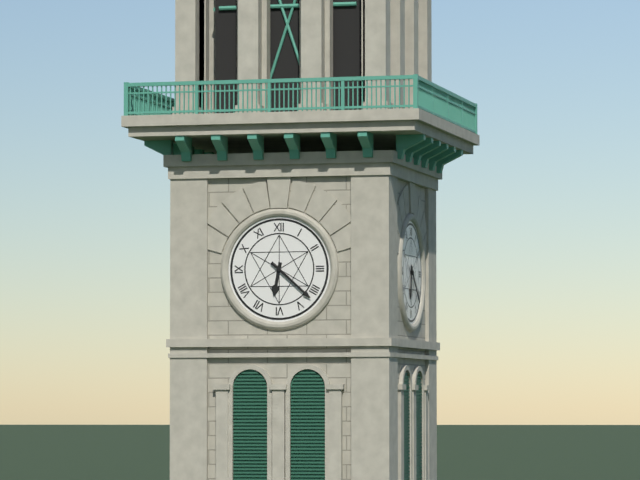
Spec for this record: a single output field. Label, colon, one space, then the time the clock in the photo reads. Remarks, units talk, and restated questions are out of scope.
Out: 6:22
